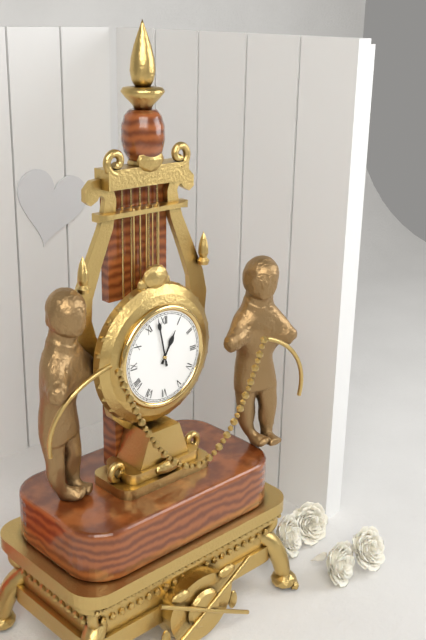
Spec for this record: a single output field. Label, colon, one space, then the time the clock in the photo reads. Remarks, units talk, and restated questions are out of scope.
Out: 12:58
